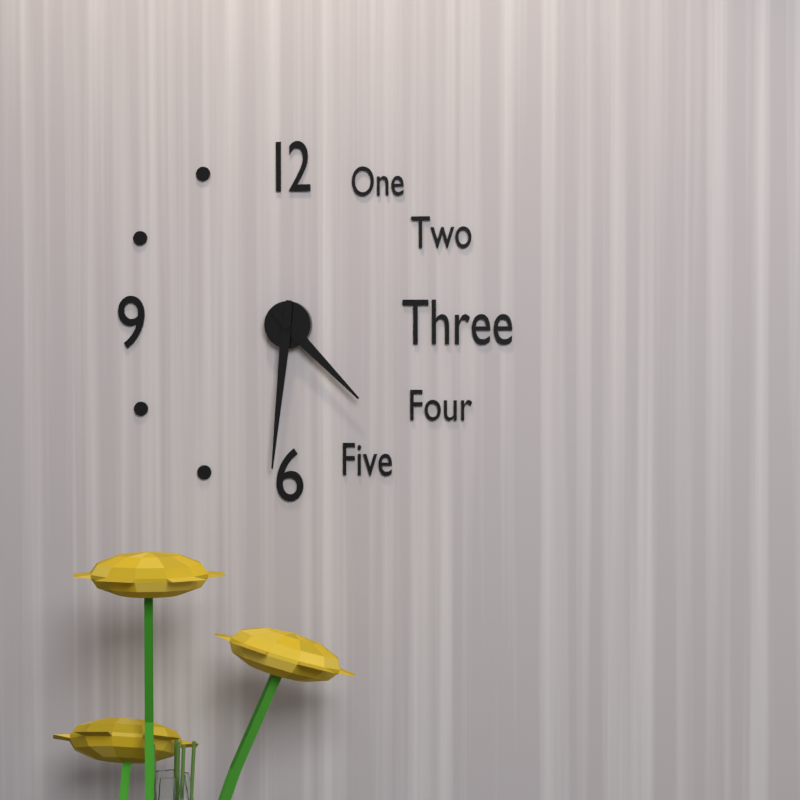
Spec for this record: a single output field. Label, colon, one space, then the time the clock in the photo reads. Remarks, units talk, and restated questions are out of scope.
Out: 4:31
